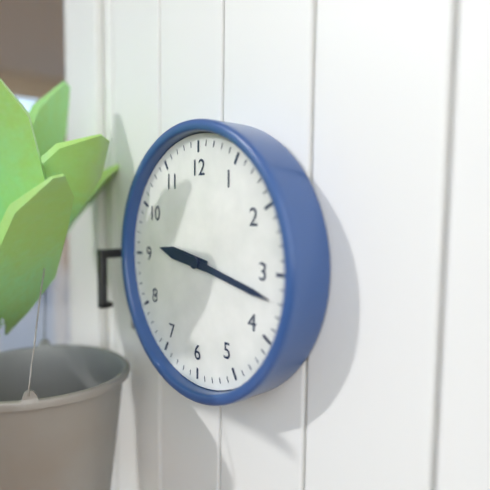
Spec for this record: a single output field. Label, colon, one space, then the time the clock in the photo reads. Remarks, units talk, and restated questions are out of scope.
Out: 9:17
